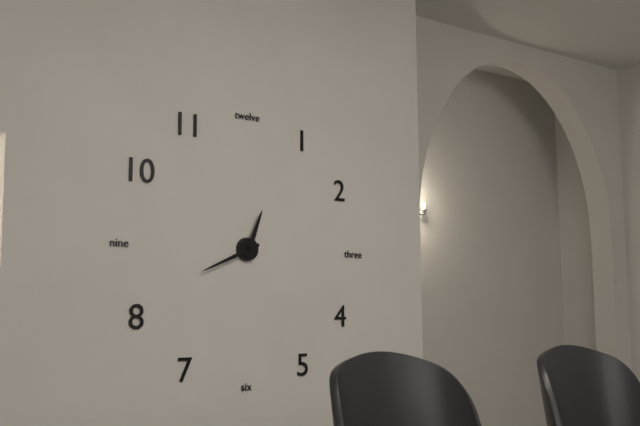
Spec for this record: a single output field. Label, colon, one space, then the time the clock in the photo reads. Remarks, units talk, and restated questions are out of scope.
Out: 12:41
